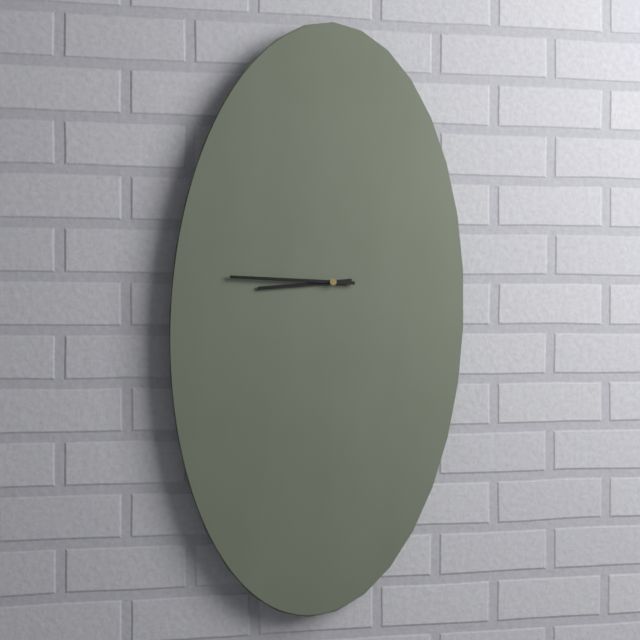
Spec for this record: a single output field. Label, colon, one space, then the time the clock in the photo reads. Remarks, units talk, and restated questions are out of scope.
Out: 8:45
